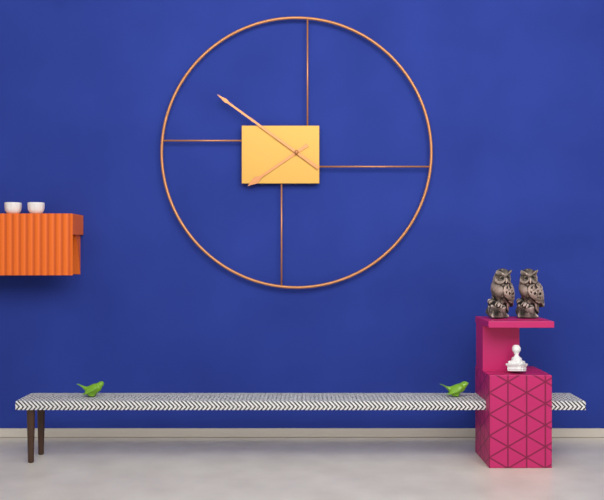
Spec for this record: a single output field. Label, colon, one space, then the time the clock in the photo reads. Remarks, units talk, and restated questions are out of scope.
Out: 7:51
